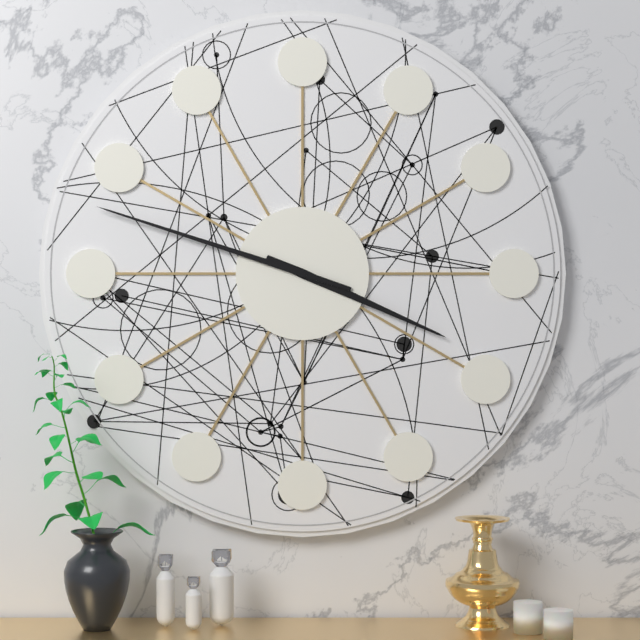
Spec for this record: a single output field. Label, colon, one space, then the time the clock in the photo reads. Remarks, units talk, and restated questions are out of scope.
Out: 3:48
